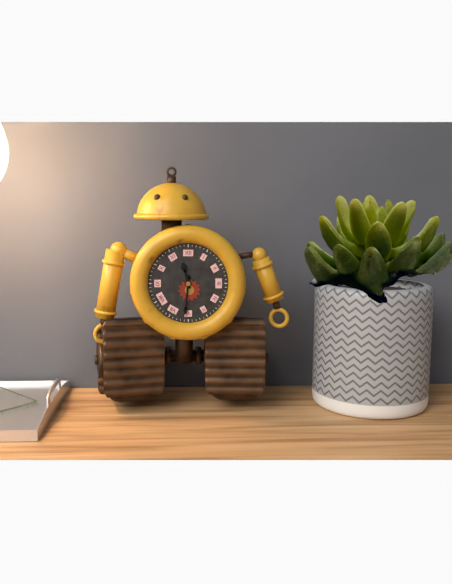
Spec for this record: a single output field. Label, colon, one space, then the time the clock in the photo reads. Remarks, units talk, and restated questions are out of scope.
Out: 11:31
